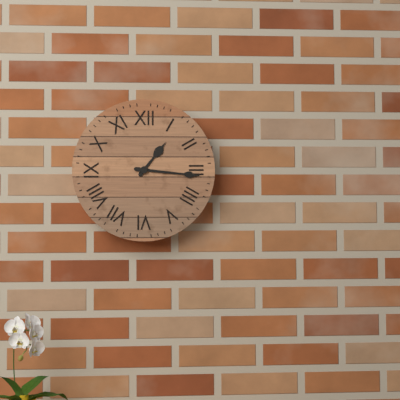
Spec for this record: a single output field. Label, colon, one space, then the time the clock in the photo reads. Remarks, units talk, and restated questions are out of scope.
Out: 1:16
